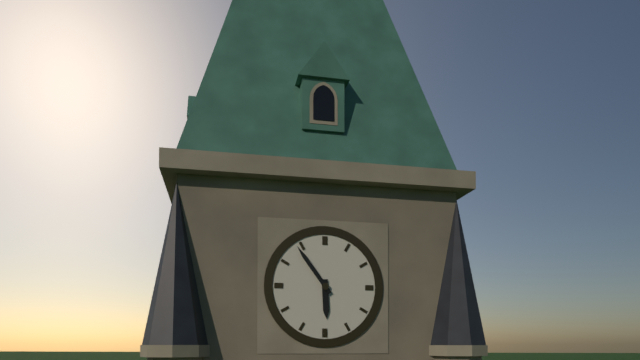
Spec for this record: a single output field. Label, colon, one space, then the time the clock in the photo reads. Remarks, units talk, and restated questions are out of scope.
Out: 5:54
